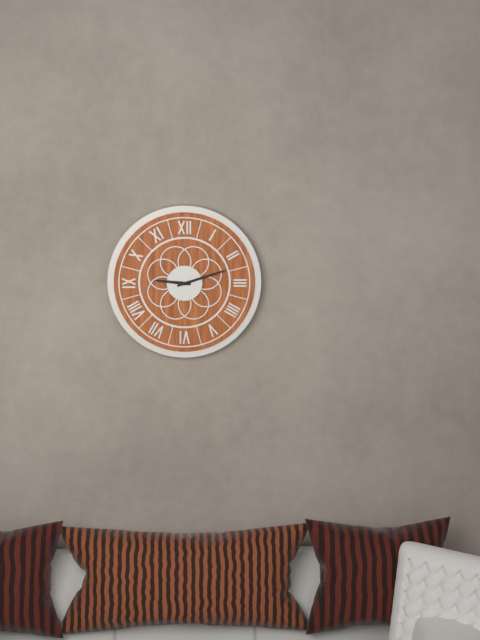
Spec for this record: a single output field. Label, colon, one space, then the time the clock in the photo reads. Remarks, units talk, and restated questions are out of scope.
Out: 9:12
